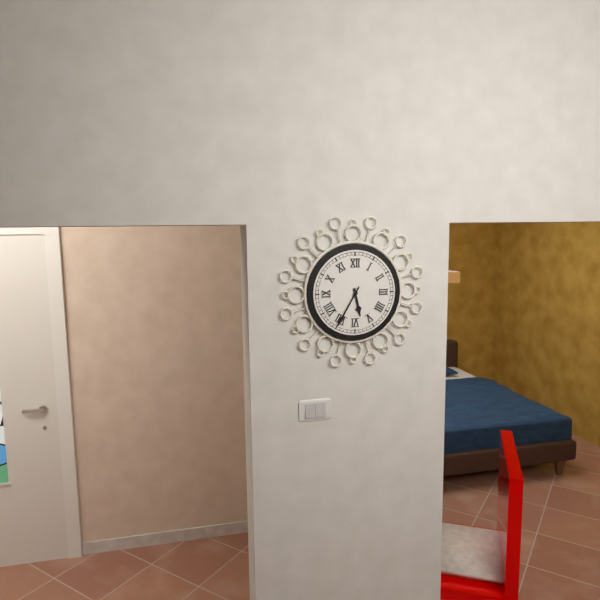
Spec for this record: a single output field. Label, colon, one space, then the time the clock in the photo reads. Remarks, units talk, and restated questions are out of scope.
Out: 5:35
